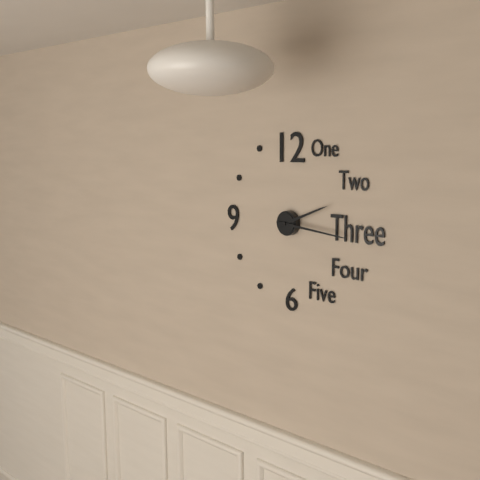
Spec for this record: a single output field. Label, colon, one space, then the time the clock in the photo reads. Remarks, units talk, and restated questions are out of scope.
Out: 2:16
